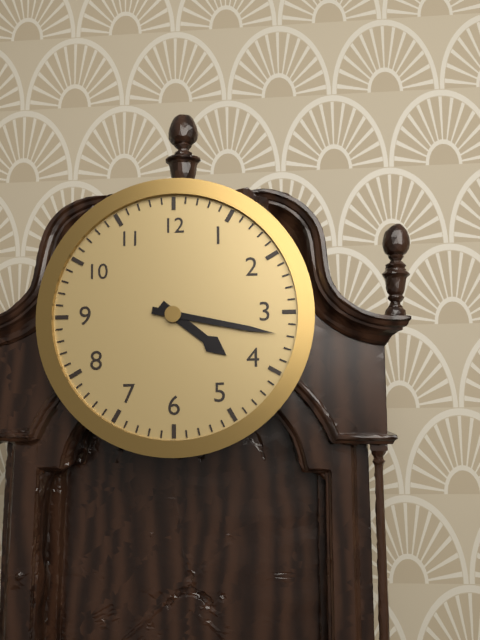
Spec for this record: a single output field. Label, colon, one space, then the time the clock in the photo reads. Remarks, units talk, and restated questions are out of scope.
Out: 4:17
